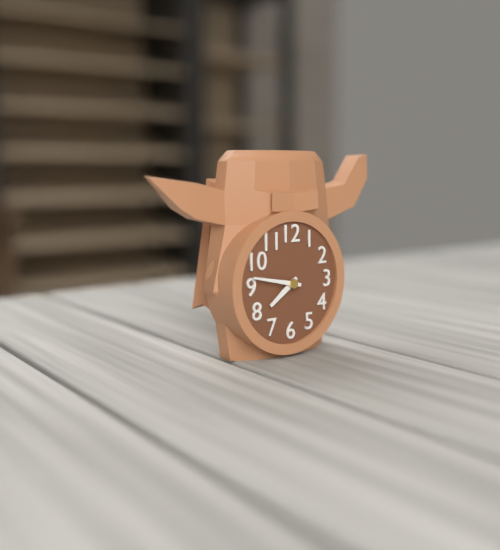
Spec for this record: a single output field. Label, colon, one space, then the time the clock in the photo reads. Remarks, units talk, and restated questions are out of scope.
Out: 7:47
